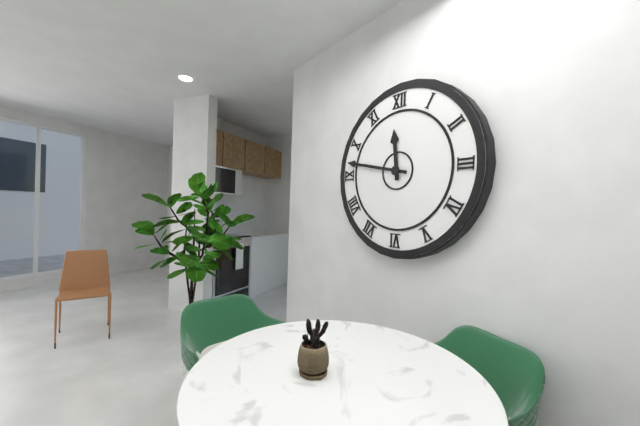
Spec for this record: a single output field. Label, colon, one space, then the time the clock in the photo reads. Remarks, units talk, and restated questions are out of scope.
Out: 11:47
